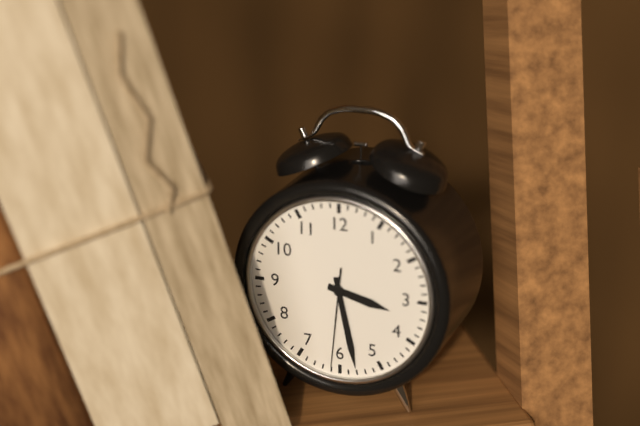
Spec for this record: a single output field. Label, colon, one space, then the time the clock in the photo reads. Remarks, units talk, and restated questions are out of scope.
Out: 3:28:31
